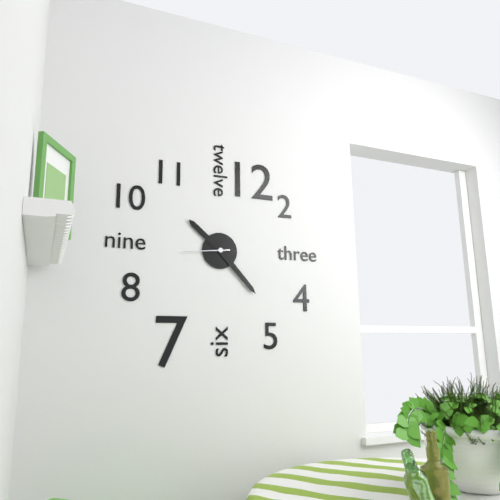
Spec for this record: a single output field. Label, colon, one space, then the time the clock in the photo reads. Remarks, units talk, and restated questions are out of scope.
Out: 10:23
